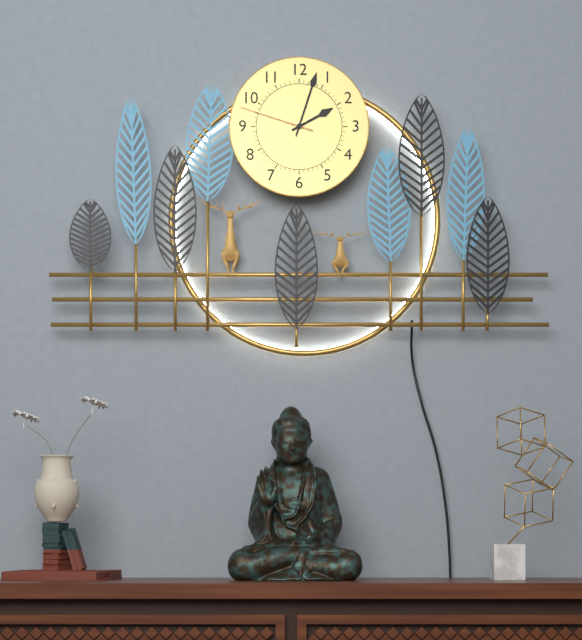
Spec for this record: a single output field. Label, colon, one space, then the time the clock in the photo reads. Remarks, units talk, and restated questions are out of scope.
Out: 2:03:48
